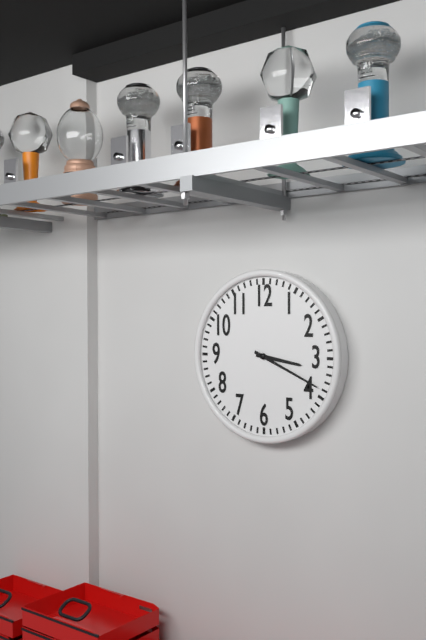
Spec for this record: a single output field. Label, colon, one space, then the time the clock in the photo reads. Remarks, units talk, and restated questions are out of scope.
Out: 3:19
